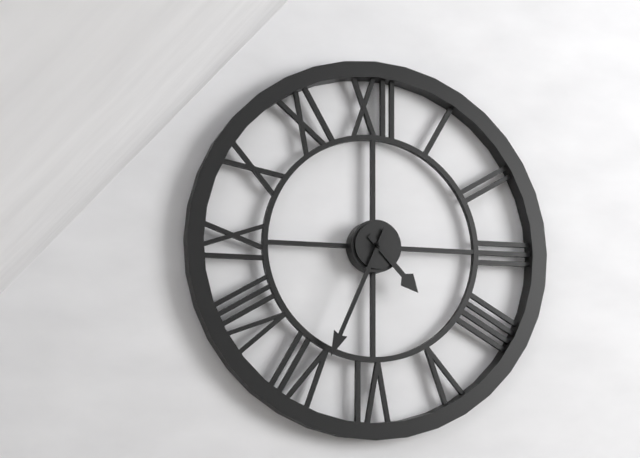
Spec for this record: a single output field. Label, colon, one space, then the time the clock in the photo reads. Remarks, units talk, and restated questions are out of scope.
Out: 4:34
